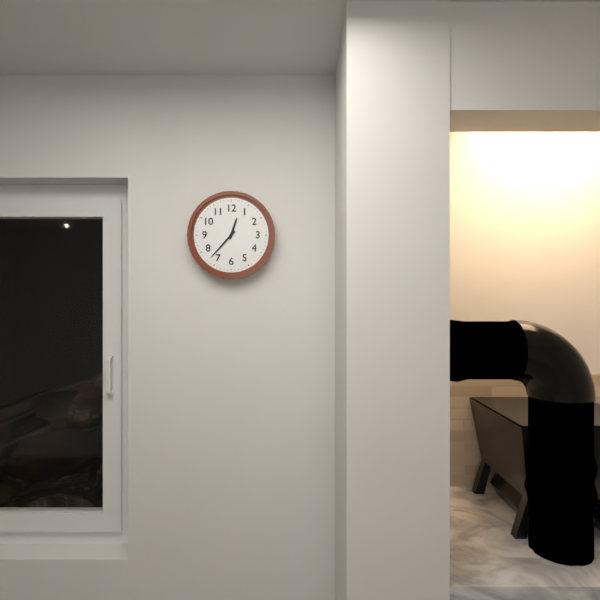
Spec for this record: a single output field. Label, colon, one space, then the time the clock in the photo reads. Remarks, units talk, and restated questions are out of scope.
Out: 12:37
